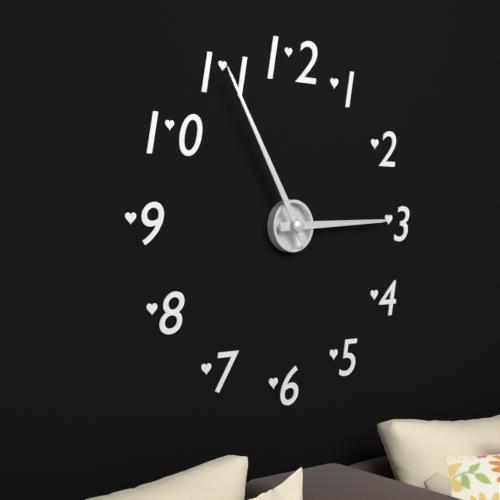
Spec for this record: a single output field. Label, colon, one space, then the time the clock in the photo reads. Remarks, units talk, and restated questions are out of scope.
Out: 2:55
